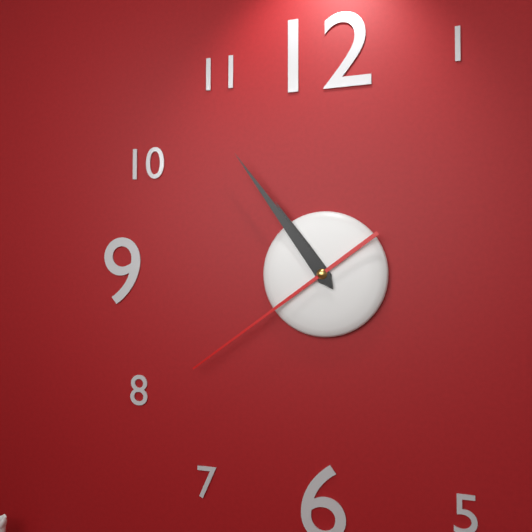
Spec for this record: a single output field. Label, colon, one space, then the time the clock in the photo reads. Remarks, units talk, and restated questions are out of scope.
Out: 10:54:39
